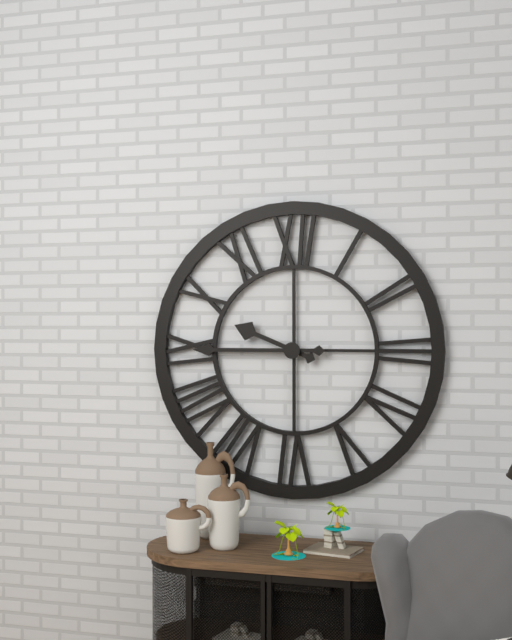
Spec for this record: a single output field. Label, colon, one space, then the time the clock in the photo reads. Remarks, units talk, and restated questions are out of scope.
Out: 9:45
